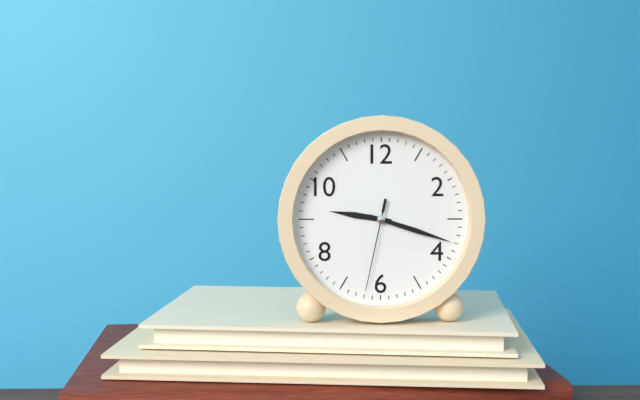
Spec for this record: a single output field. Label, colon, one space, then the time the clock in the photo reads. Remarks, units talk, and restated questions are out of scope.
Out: 9:18:32
